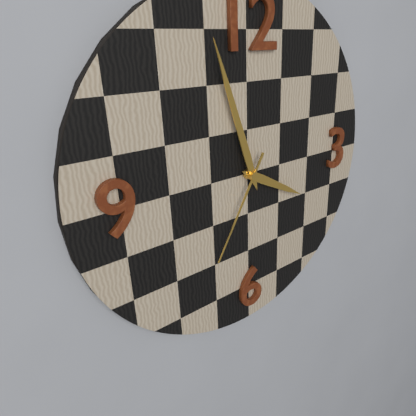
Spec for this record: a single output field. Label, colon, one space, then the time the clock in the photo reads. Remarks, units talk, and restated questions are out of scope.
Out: 3:57:35
